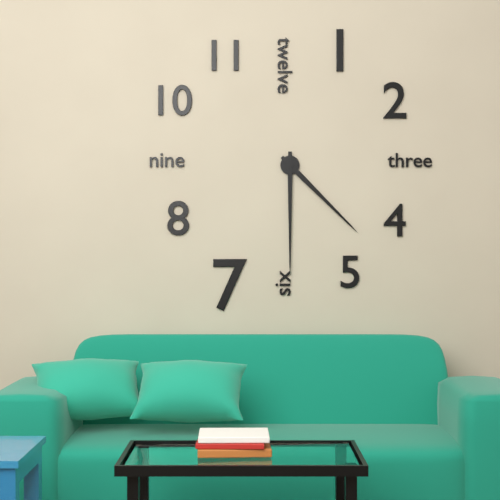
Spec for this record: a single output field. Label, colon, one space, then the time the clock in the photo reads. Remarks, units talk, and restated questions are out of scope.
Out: 4:30
